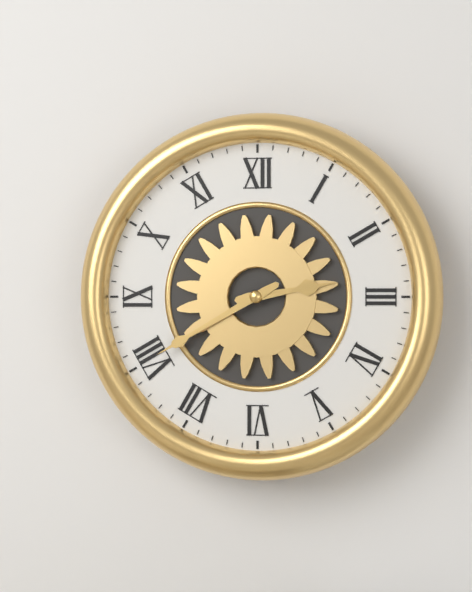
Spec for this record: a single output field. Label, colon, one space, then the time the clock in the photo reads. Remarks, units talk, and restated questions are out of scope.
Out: 2:40
